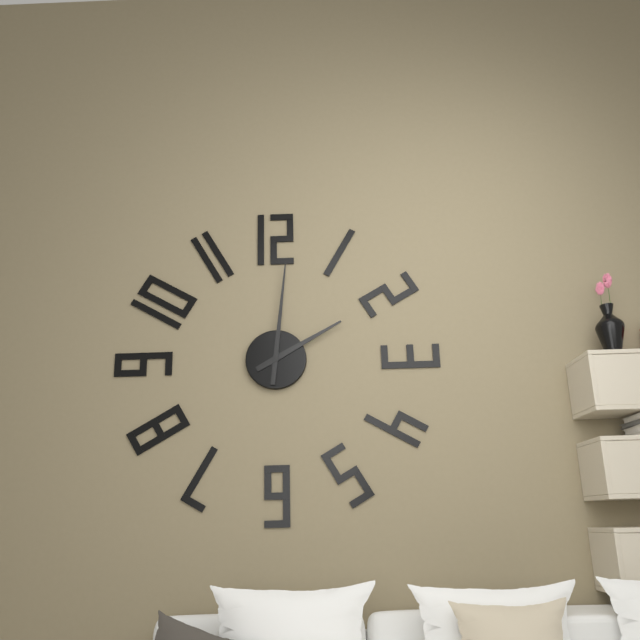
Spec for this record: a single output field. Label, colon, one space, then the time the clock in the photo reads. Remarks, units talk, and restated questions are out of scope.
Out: 2:01
